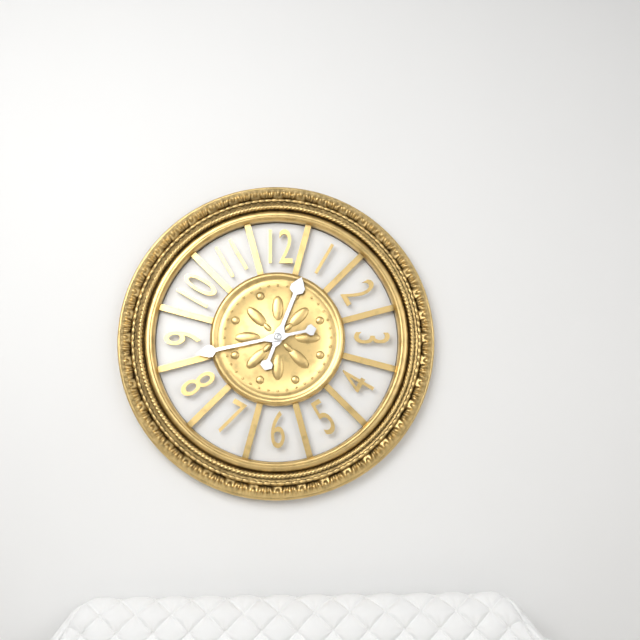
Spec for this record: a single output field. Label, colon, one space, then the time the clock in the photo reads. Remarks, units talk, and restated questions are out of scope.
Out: 12:43
